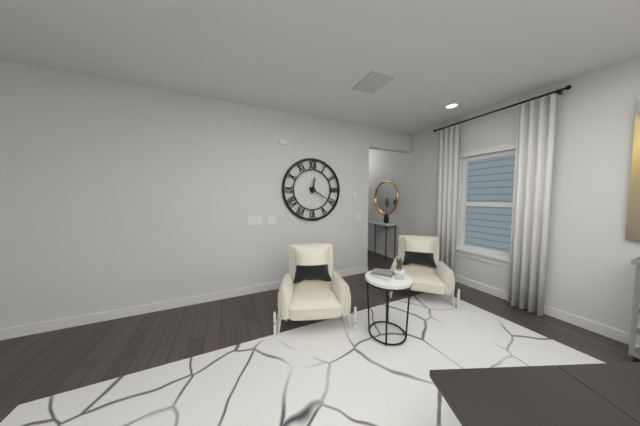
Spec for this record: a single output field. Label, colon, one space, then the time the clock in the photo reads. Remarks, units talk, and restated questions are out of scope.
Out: 12:20
